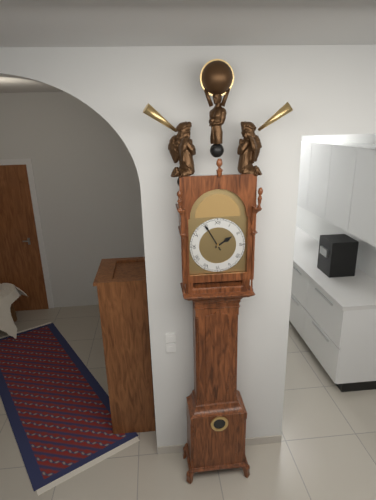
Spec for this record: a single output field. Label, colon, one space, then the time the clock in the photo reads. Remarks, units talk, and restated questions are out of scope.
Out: 1:55
